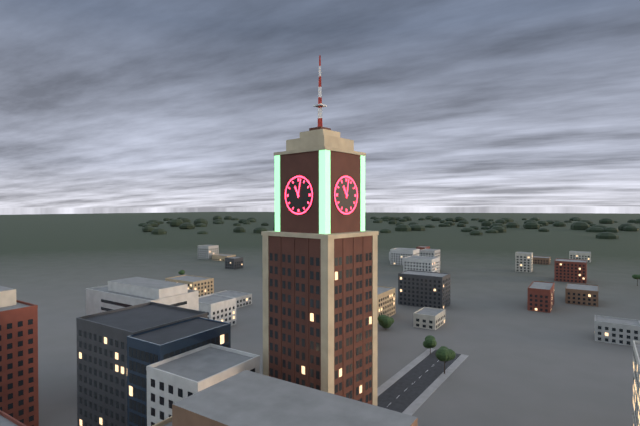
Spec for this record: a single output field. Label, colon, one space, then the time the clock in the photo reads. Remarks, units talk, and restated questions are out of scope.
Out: 11:02
